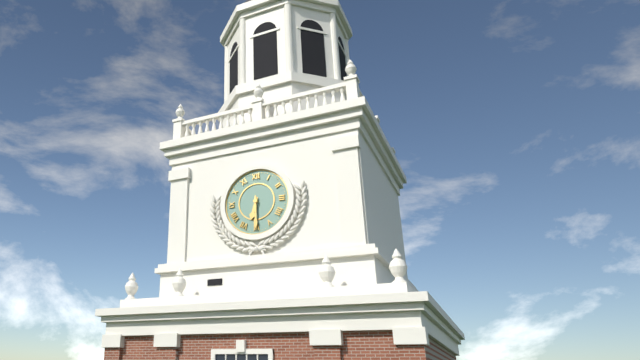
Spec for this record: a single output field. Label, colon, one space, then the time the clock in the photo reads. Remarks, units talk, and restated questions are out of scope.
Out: 6:30
